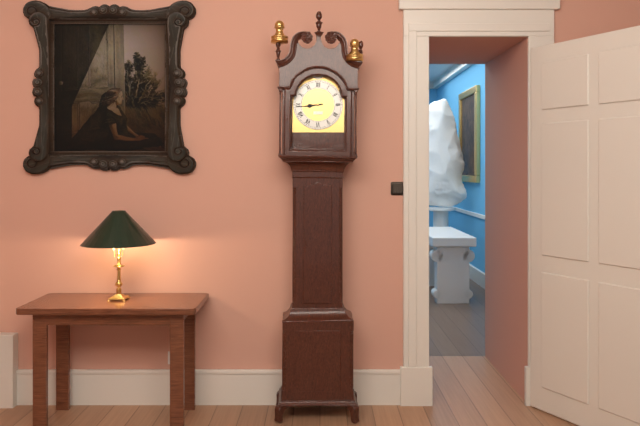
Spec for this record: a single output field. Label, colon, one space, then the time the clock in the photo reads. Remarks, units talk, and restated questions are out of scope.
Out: 8:44
